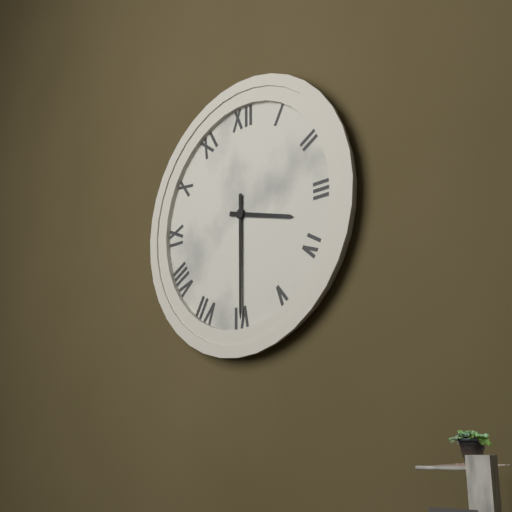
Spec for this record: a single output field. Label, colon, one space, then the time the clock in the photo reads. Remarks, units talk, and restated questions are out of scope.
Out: 3:30
